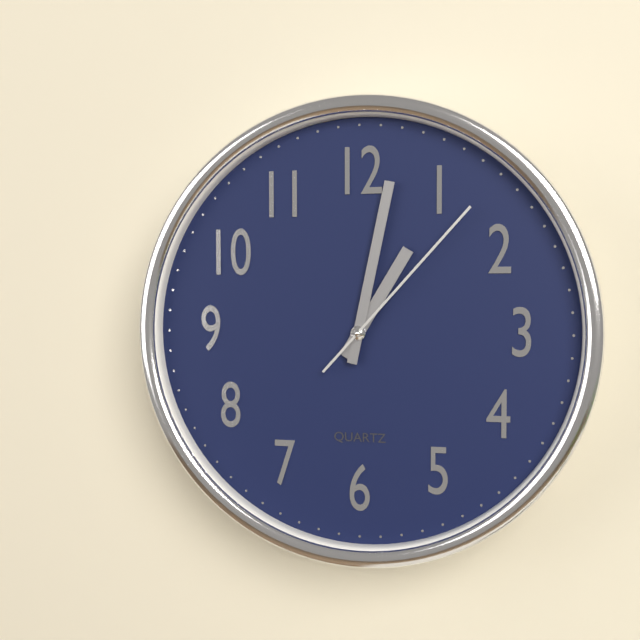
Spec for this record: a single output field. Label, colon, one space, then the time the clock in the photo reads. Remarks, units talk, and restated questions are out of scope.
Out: 1:02:07
